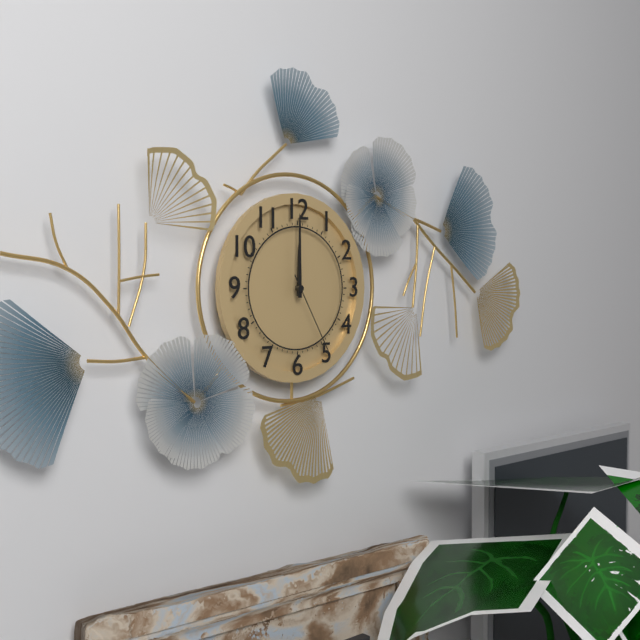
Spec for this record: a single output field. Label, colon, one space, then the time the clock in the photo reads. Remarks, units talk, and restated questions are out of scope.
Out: 12:00:25
